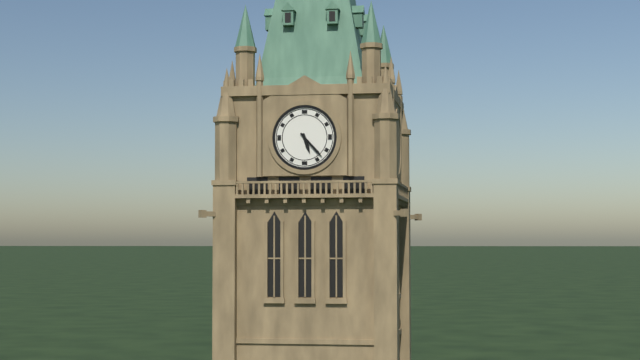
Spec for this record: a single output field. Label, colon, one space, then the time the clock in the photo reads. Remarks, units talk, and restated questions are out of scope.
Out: 5:23
